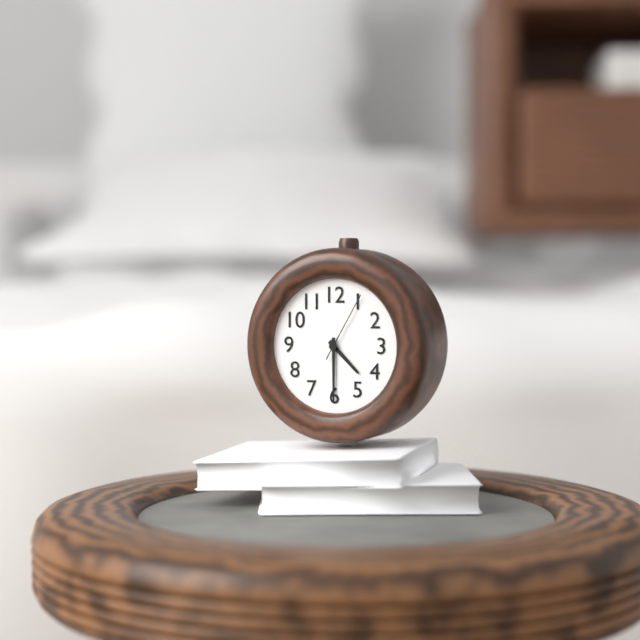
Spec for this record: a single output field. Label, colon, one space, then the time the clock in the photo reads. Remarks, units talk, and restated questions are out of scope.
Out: 4:30:05
